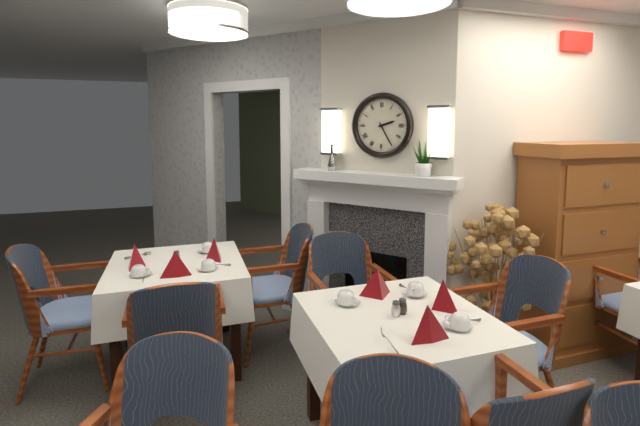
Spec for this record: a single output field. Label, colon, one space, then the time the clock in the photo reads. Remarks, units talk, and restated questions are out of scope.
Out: 2:25
